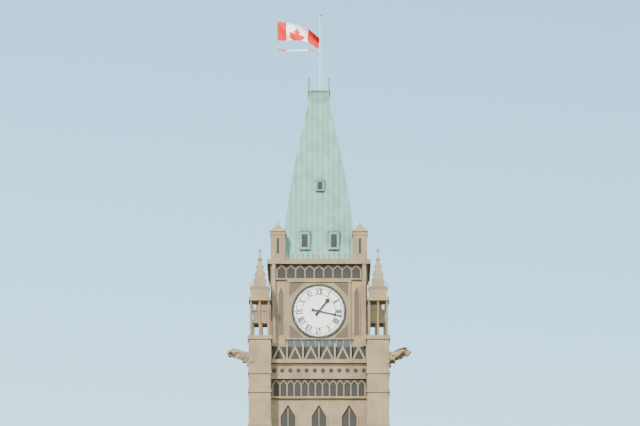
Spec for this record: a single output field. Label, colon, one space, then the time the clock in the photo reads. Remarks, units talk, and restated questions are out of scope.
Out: 1:17
